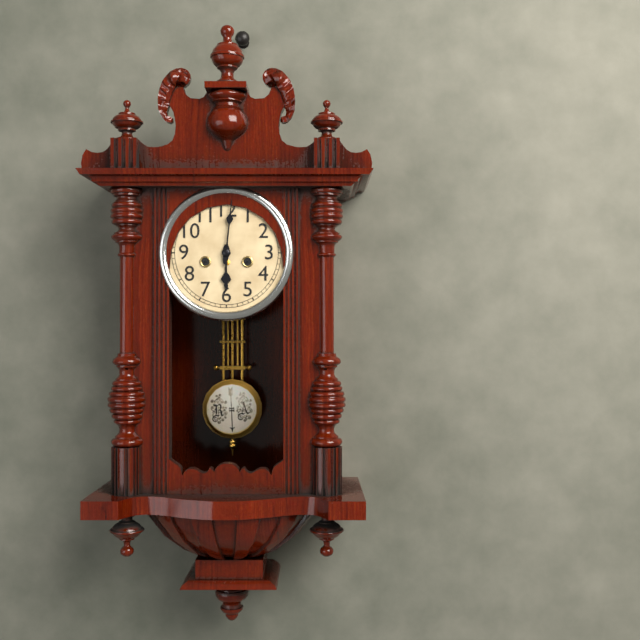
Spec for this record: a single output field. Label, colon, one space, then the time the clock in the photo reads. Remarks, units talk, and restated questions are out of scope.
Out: 6:01
